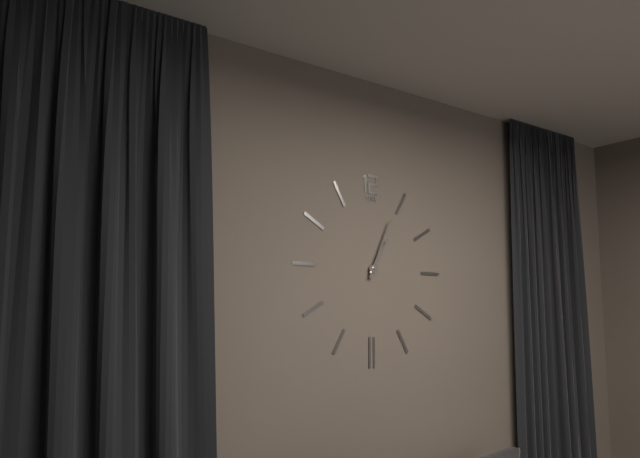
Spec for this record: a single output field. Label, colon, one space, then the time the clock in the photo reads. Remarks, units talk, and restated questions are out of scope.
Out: 1:04
